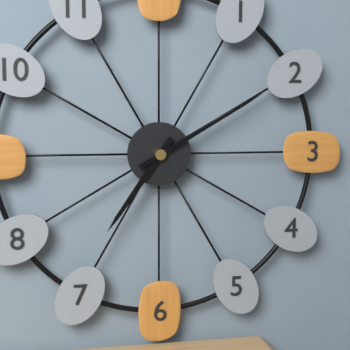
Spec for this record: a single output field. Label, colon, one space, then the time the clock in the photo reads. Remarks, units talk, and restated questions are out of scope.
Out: 7:10
